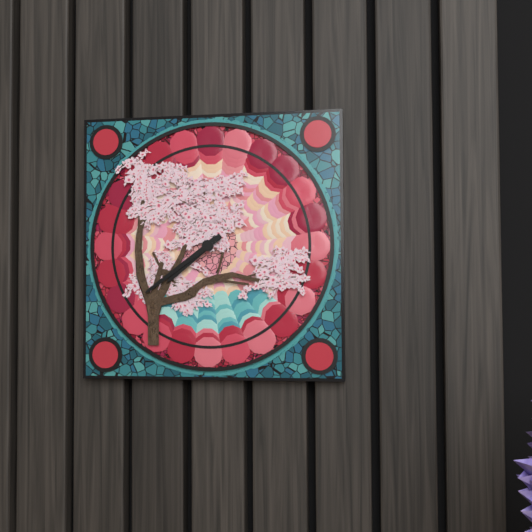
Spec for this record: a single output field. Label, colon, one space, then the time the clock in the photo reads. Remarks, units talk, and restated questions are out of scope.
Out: 7:39
